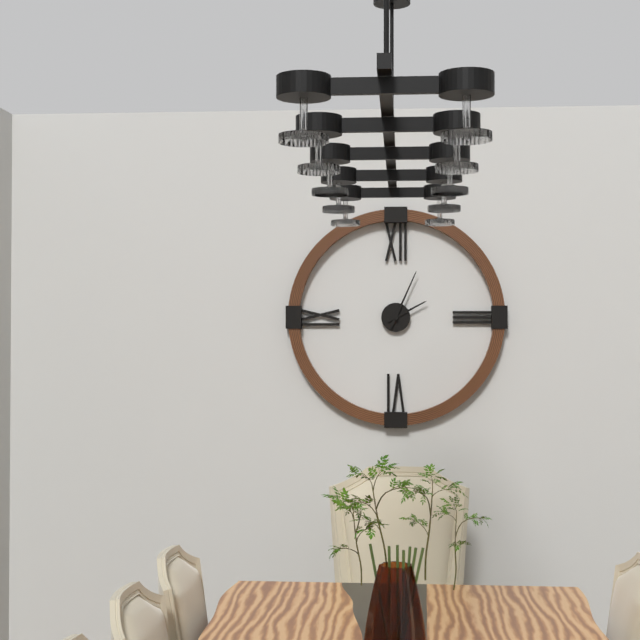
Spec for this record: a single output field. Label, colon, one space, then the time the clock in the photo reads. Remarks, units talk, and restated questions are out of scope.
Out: 2:04
